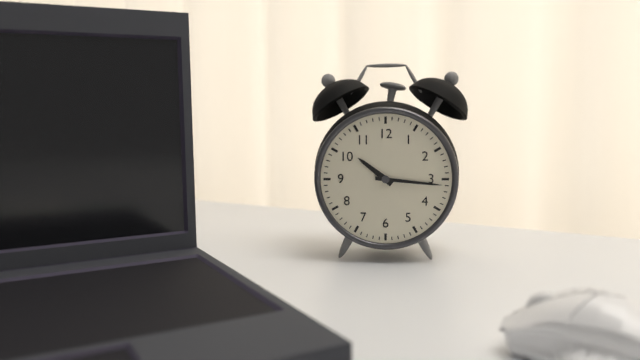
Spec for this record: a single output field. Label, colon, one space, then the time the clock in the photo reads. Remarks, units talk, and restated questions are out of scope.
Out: 10:16
